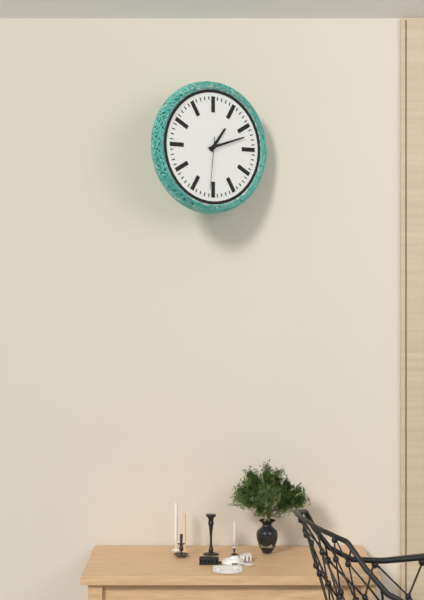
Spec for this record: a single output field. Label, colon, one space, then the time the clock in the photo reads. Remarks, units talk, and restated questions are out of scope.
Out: 1:12:31
